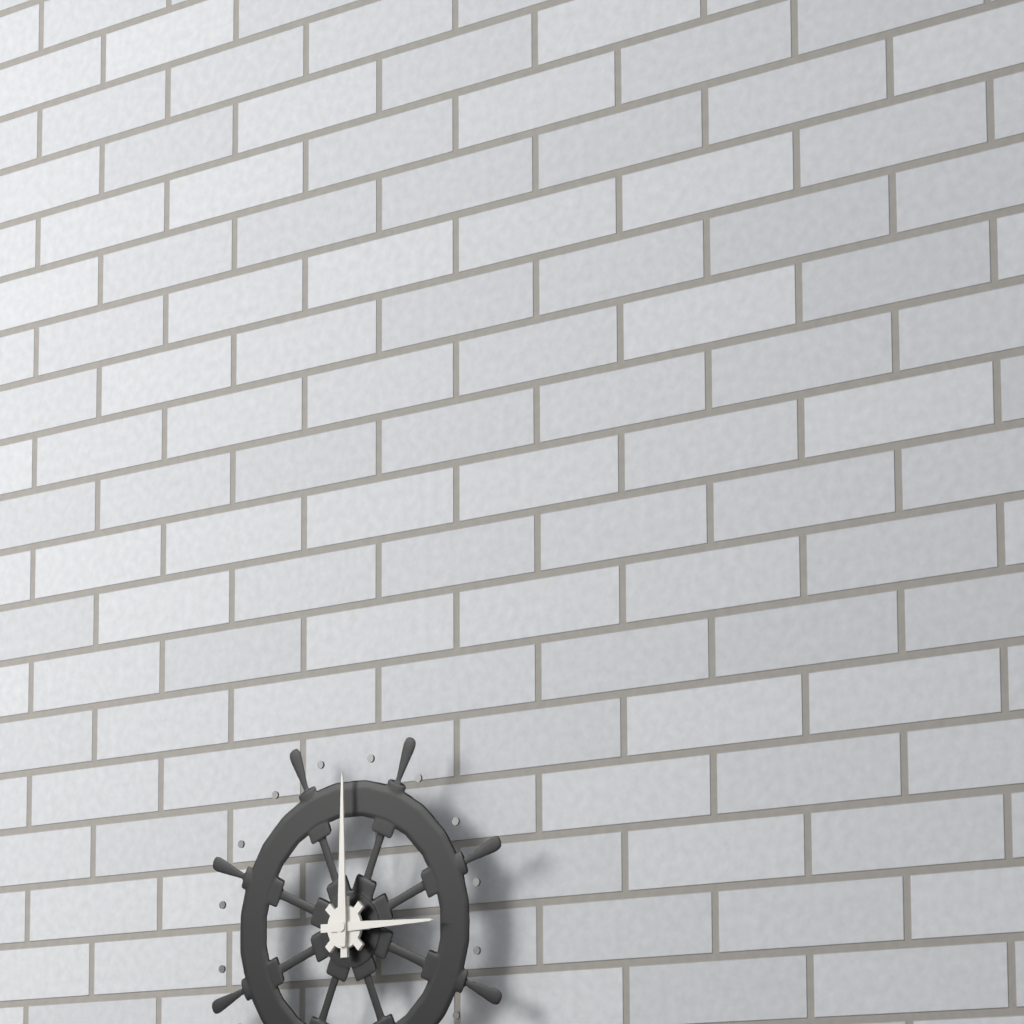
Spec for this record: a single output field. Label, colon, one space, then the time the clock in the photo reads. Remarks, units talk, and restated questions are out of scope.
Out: 3:00
